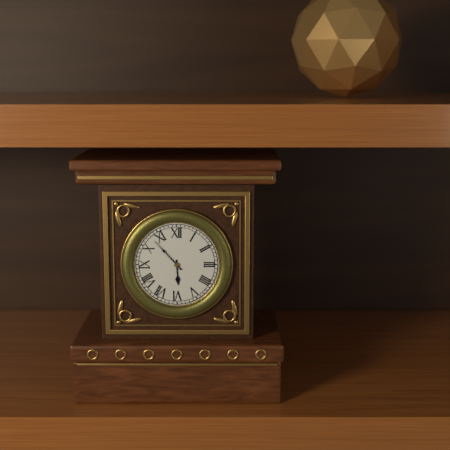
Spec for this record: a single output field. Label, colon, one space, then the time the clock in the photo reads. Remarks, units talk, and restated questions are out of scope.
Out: 5:53
